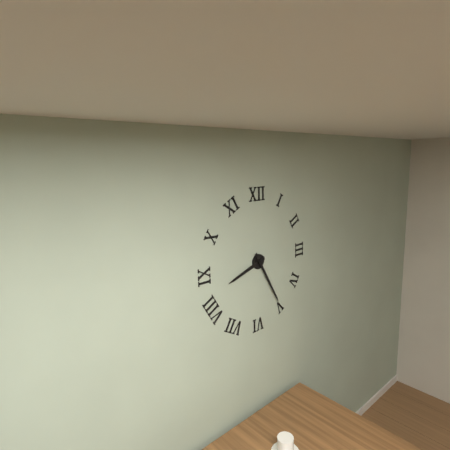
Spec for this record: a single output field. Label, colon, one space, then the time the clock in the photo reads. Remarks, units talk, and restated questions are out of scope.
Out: 8:25
